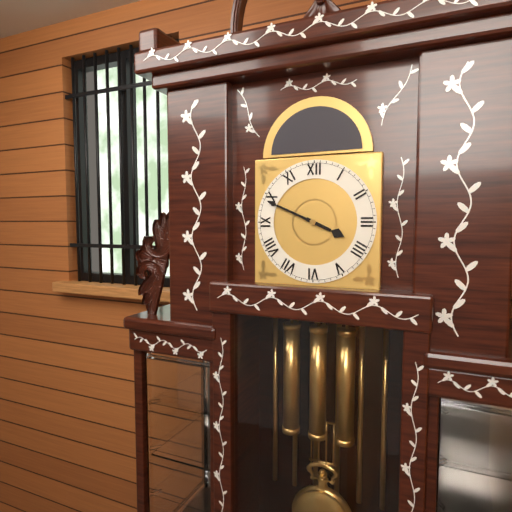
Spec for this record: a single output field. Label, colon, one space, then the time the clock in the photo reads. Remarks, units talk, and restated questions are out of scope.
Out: 3:49
